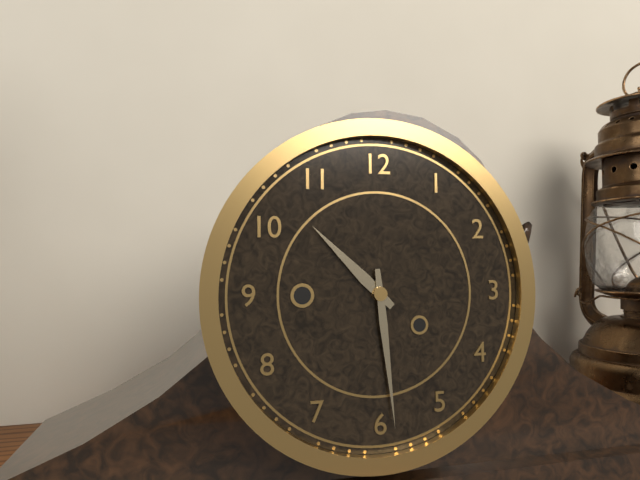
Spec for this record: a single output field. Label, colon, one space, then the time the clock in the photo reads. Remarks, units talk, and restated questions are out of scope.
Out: 10:29
